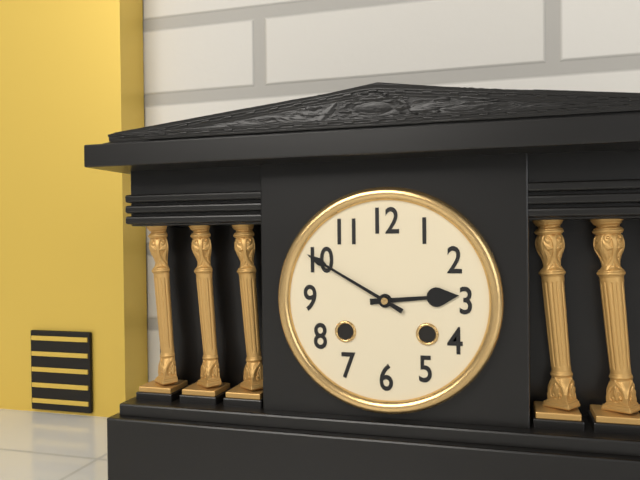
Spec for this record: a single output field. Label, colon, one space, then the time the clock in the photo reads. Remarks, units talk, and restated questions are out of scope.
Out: 2:50
